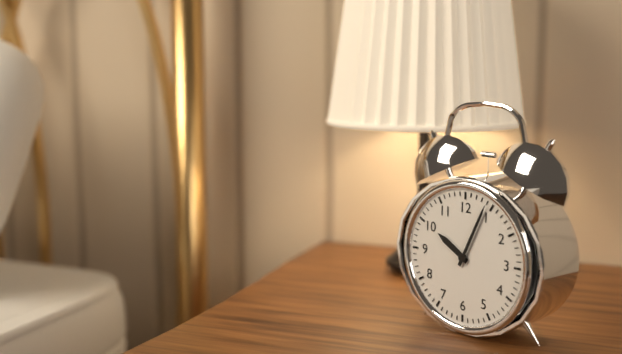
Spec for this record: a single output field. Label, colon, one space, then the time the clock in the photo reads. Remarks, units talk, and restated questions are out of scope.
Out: 10:04
